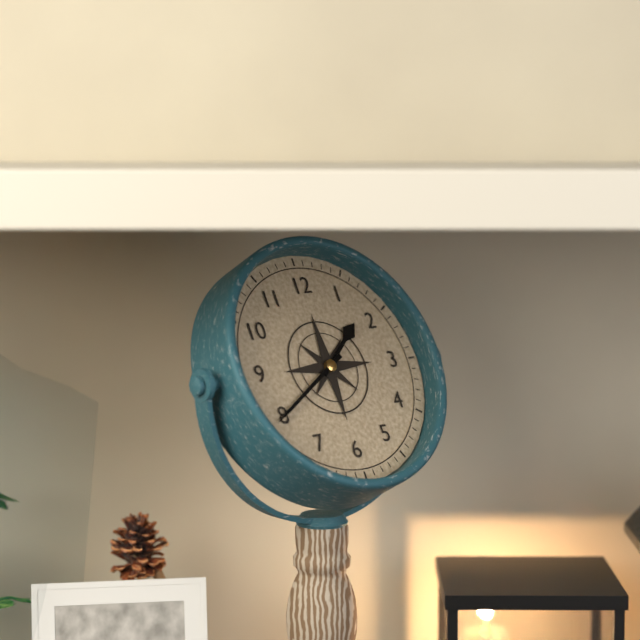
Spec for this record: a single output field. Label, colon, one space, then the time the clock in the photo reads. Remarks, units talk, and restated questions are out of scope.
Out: 1:40
